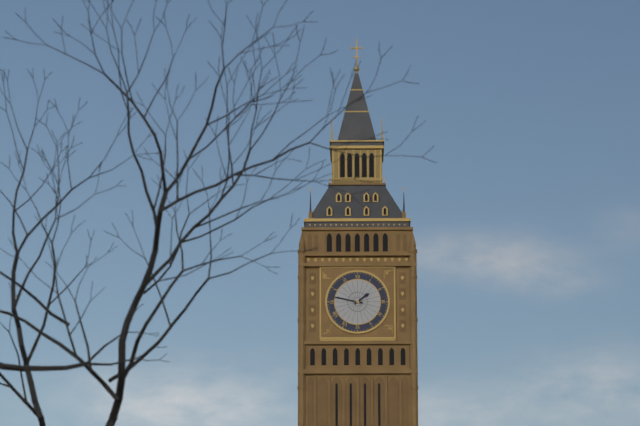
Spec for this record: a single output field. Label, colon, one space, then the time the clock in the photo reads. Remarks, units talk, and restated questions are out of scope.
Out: 1:47
